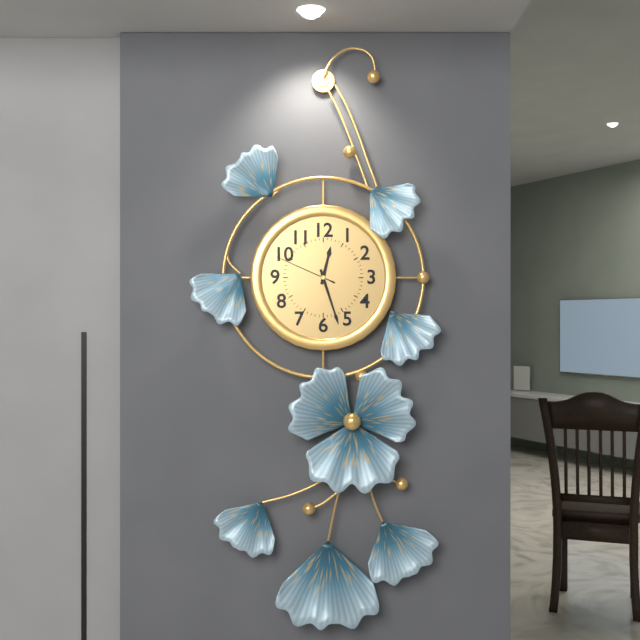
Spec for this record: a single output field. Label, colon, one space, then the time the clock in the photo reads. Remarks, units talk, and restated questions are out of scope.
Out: 12:27:49
